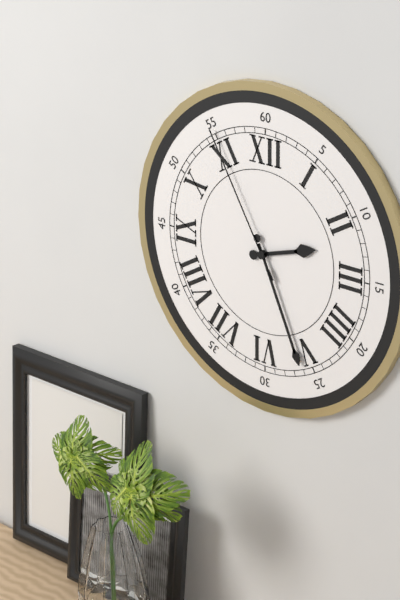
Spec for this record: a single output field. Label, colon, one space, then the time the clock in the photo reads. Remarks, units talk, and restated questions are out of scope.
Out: 2:26:55
